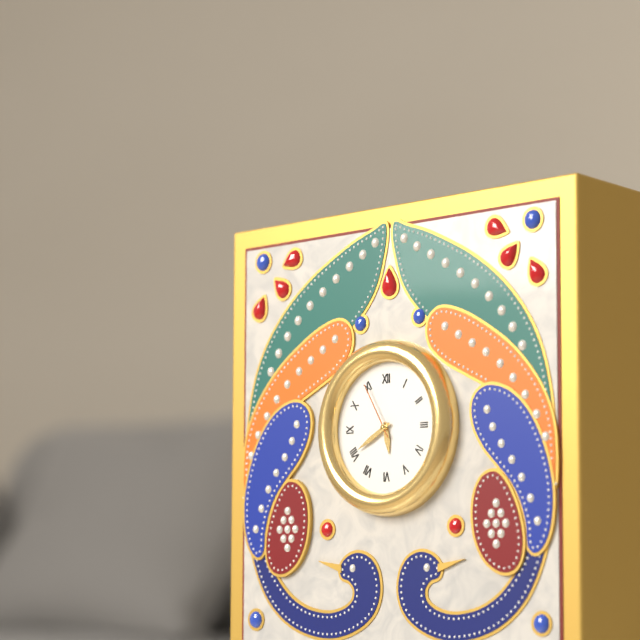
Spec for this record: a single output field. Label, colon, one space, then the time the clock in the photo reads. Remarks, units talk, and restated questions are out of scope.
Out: 5:40:55
